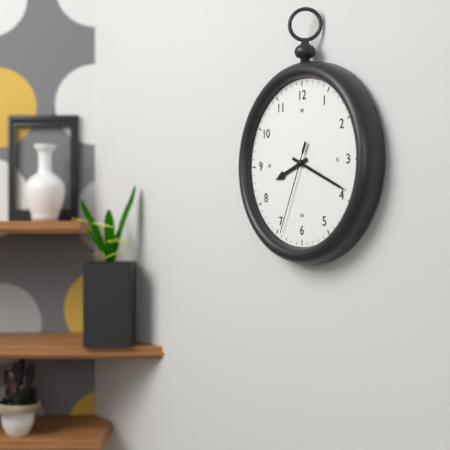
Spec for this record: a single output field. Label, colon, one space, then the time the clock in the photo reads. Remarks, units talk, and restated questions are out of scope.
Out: 8:19:34
